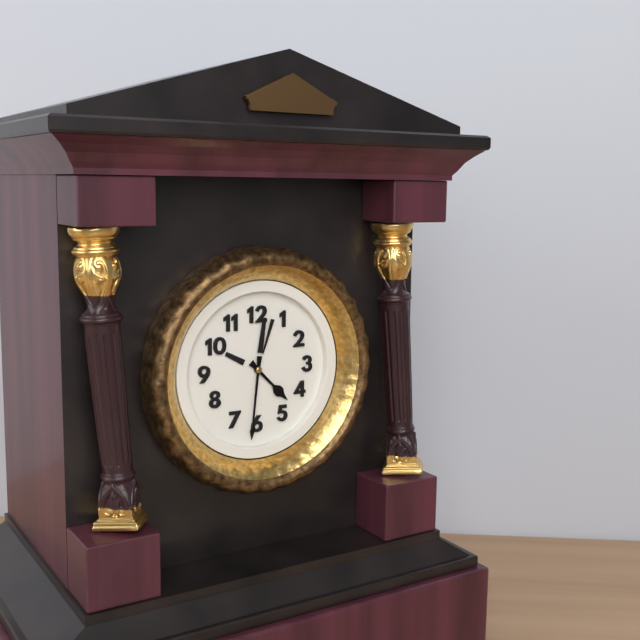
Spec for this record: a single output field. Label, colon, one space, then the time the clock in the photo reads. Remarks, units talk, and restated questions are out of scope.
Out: 4:31
